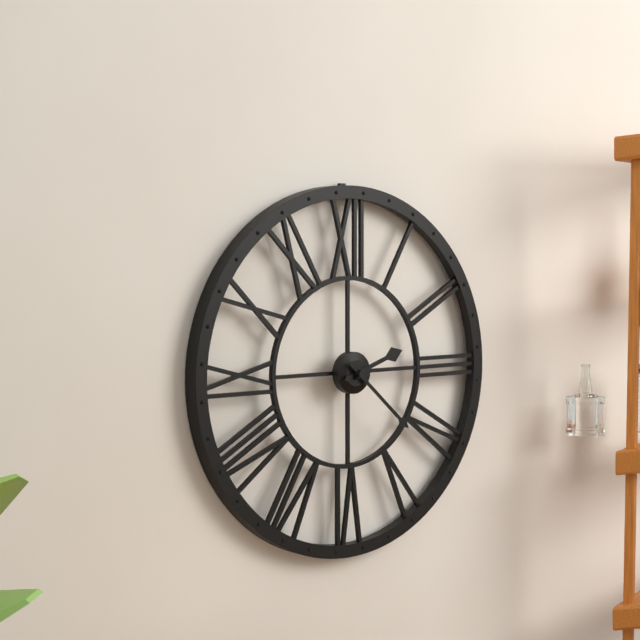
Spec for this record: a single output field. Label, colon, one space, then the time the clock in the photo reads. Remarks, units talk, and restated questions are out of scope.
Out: 2:22
